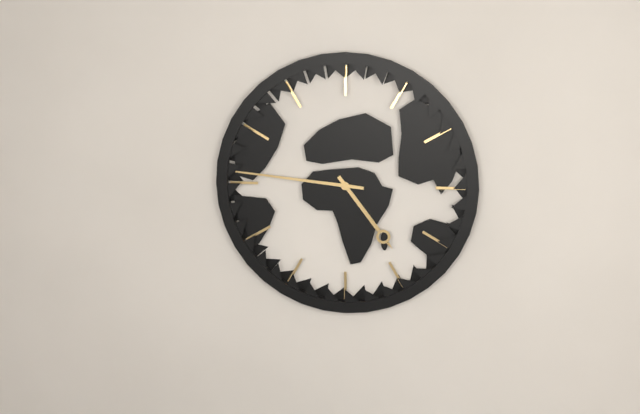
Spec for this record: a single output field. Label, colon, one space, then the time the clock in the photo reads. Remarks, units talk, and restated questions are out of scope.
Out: 4:46
